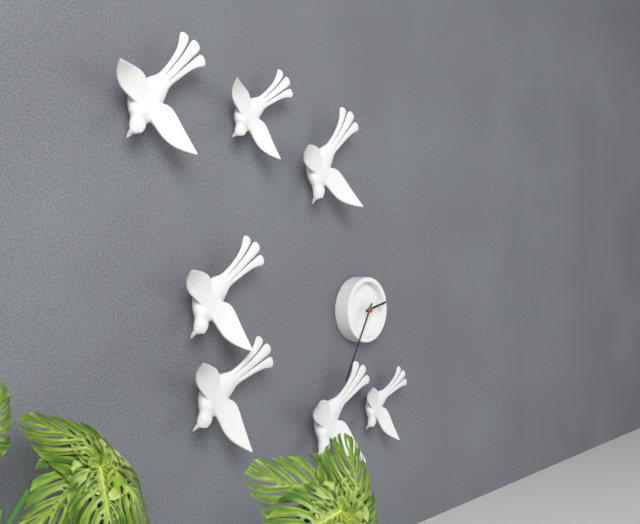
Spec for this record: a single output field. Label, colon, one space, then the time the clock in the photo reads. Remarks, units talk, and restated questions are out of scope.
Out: 2:35
